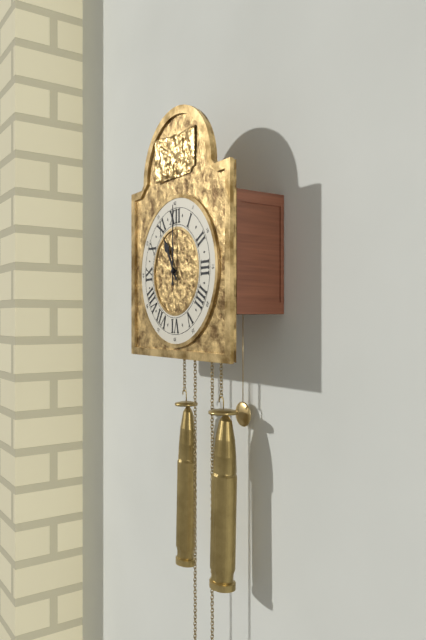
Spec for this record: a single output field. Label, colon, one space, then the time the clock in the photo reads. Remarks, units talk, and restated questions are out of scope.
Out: 11:00
